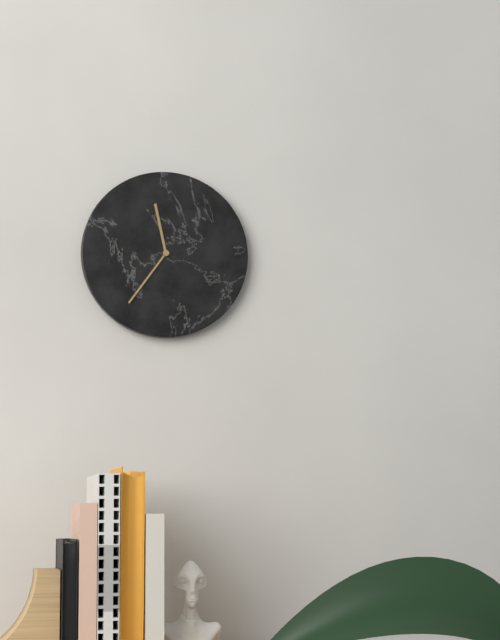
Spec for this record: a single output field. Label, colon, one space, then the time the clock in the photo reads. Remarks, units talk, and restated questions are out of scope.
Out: 11:36
